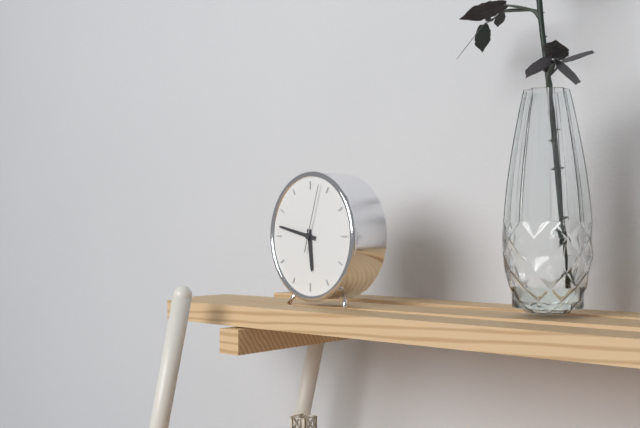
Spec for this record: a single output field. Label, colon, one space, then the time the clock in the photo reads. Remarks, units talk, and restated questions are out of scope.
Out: 5:47:03
